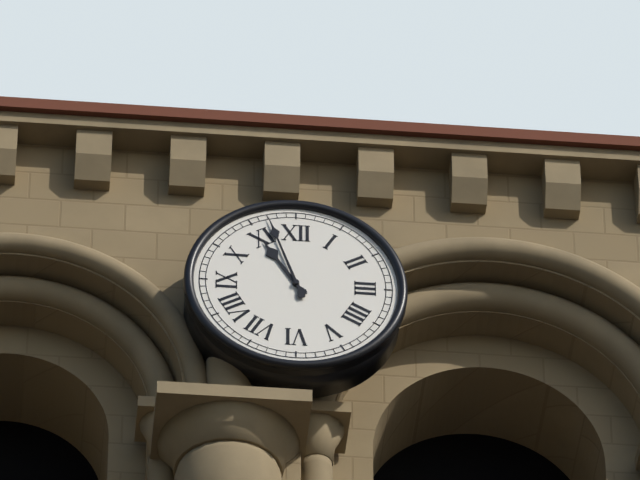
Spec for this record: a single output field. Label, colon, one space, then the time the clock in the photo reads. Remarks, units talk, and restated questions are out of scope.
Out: 10:57
